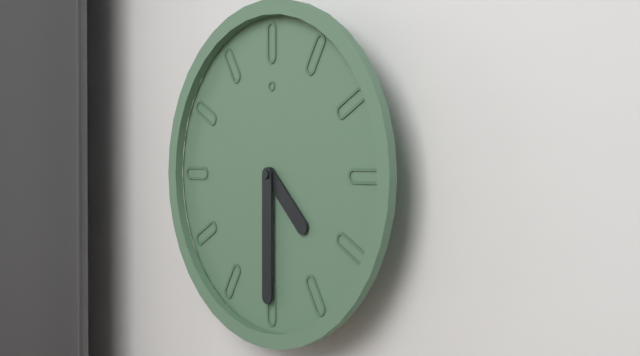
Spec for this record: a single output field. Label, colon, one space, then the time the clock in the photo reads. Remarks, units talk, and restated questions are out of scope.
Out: 4:30
